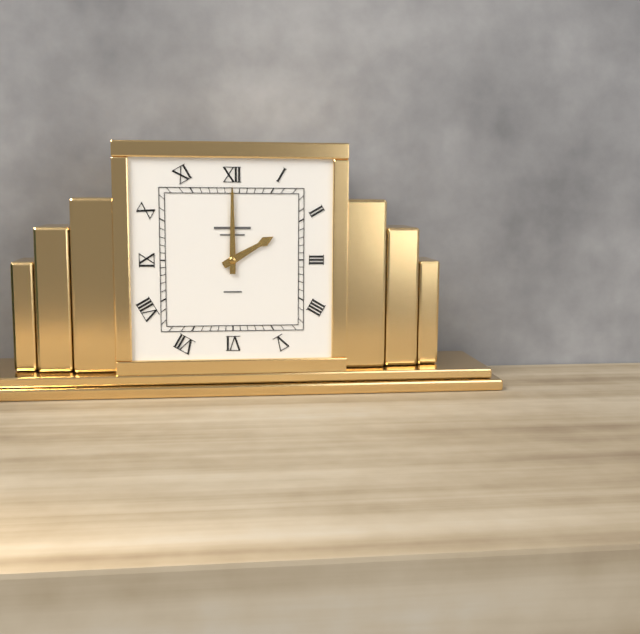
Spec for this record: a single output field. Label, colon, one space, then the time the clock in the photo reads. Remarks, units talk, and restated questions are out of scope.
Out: 2:00
